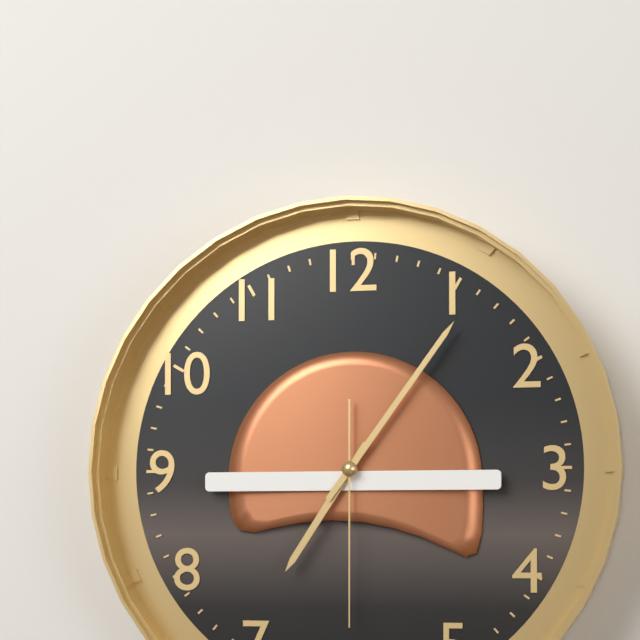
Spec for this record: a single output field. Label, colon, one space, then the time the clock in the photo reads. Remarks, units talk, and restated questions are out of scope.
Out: 7:06:30
